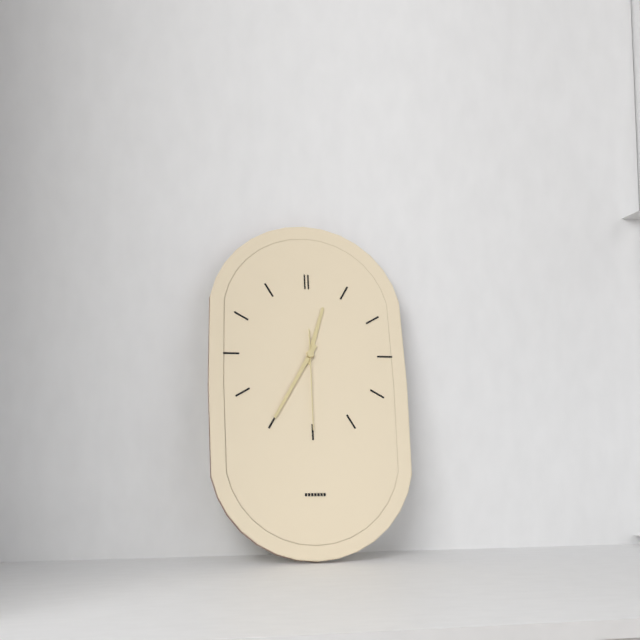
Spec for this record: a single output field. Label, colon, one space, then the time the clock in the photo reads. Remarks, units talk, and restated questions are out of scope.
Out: 12:35:30
